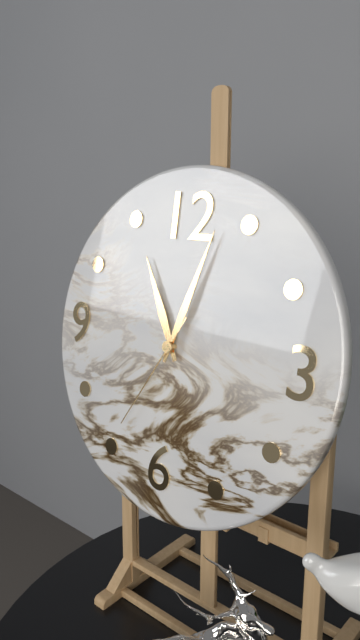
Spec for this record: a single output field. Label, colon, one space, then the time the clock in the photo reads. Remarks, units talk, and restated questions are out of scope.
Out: 11:03:35
